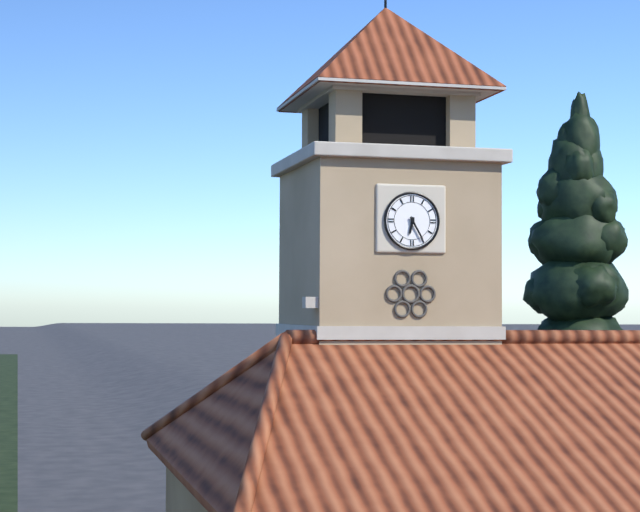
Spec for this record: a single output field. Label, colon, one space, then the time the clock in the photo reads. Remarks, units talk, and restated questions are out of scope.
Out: 6:25
